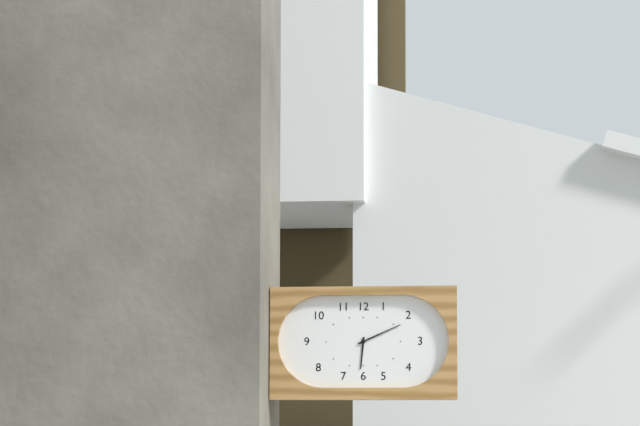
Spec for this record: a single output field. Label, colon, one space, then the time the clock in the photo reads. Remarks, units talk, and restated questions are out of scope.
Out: 6:11
